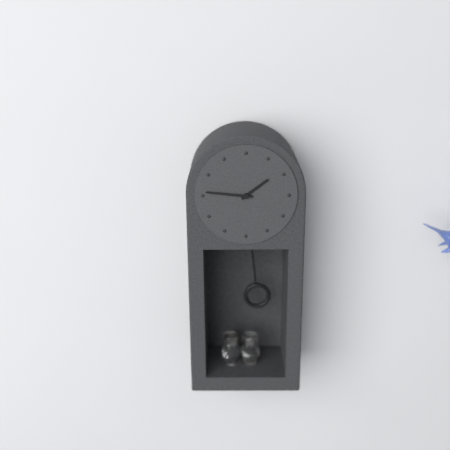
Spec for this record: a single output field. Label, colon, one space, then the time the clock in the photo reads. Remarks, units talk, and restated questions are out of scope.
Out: 1:46
